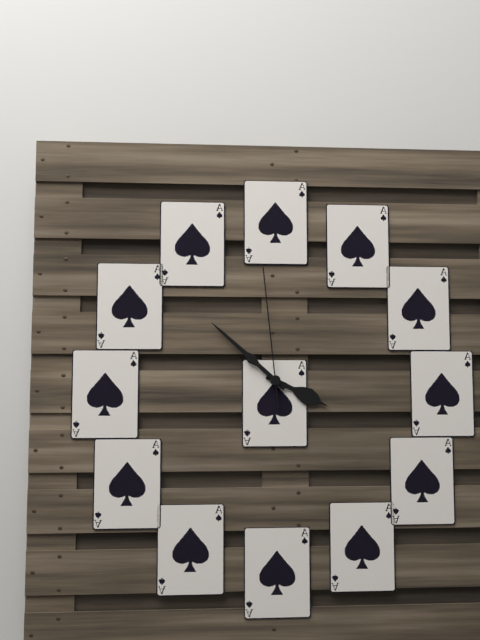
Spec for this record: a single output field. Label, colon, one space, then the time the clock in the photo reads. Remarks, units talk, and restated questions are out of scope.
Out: 3:52:59
